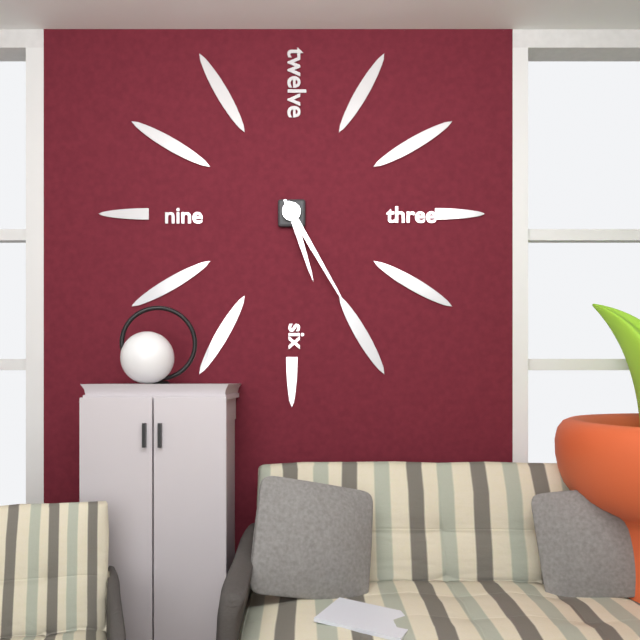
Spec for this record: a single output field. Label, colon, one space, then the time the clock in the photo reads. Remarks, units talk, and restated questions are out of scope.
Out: 5:25
